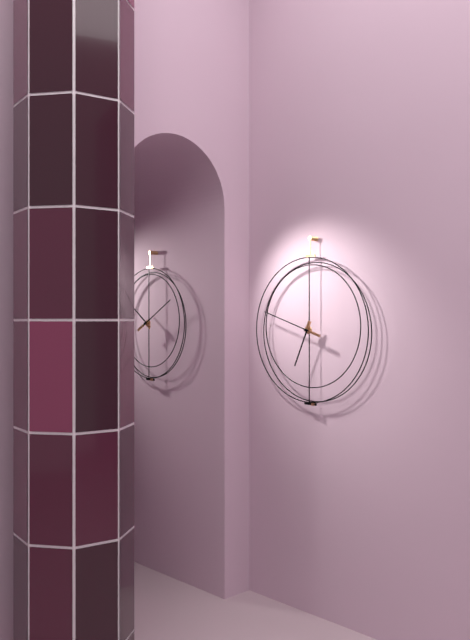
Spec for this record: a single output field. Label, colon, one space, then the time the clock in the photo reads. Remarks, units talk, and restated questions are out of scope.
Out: 6:48
